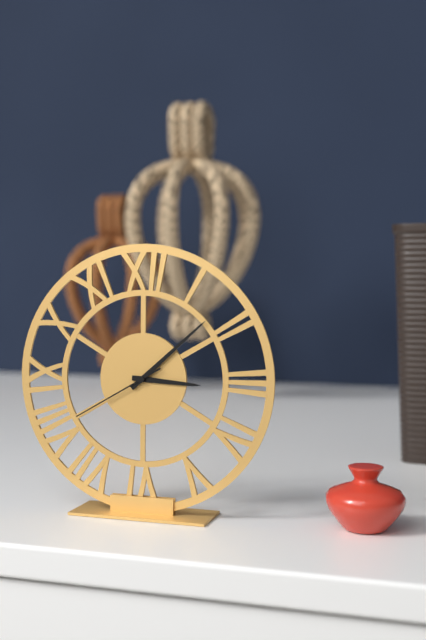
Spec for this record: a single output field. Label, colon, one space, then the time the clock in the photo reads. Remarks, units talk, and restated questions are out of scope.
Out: 3:08:40
